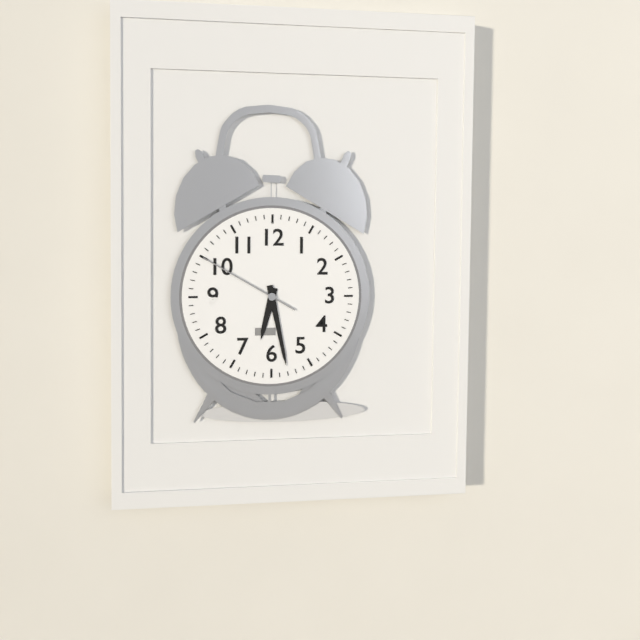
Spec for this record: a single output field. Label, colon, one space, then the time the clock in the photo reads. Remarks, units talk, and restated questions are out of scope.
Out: 6:28:50
